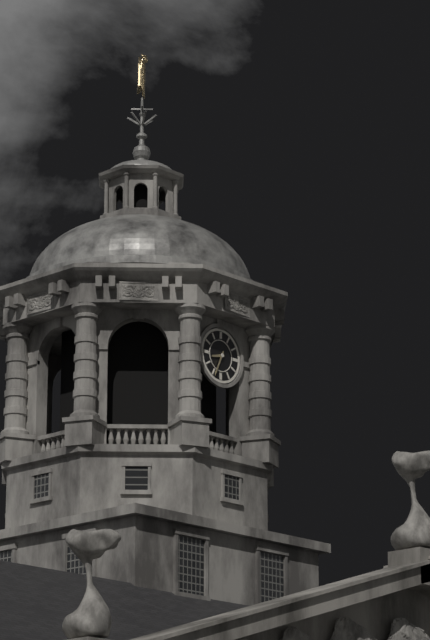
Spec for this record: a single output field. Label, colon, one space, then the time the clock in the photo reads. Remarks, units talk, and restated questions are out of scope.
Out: 8:34
